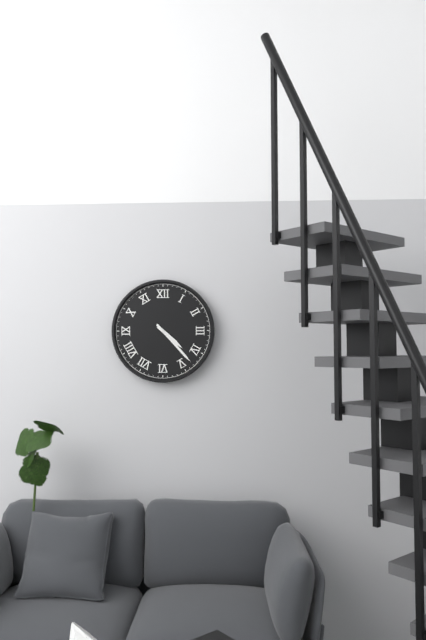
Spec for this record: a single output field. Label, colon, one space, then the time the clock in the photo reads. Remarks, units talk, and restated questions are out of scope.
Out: 4:23
